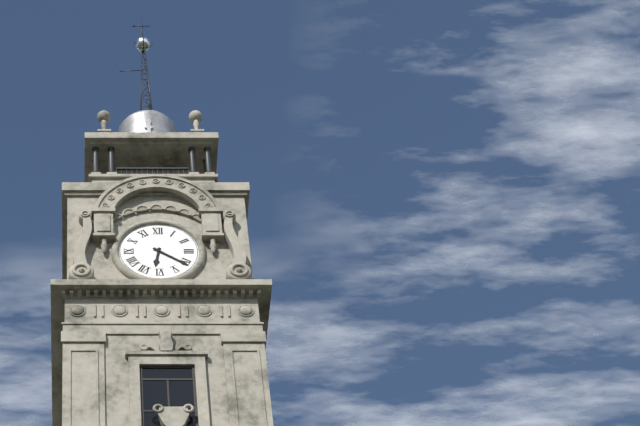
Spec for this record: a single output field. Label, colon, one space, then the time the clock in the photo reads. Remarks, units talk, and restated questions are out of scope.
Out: 6:21
